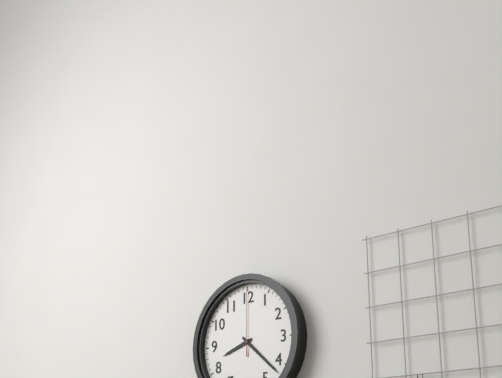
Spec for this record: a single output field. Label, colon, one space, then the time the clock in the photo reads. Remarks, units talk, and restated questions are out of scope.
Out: 8:22:00
